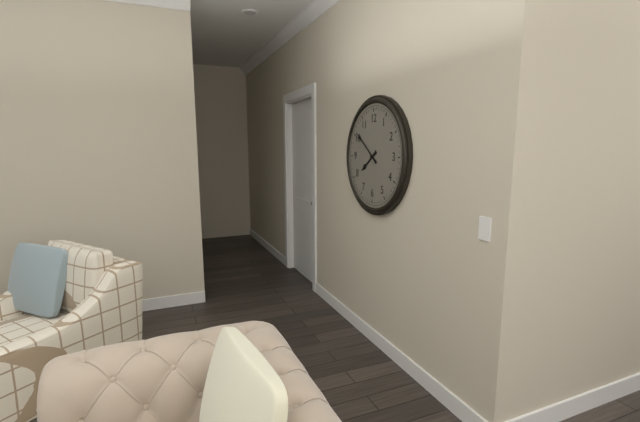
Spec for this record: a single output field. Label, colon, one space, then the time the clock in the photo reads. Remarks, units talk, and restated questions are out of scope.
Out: 7:51
